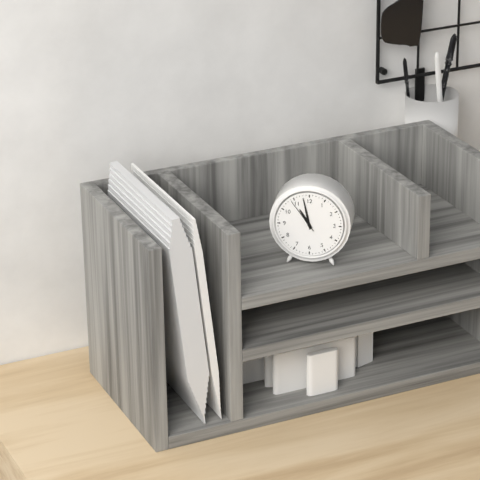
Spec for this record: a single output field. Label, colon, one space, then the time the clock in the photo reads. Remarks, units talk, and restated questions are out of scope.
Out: 10:58
